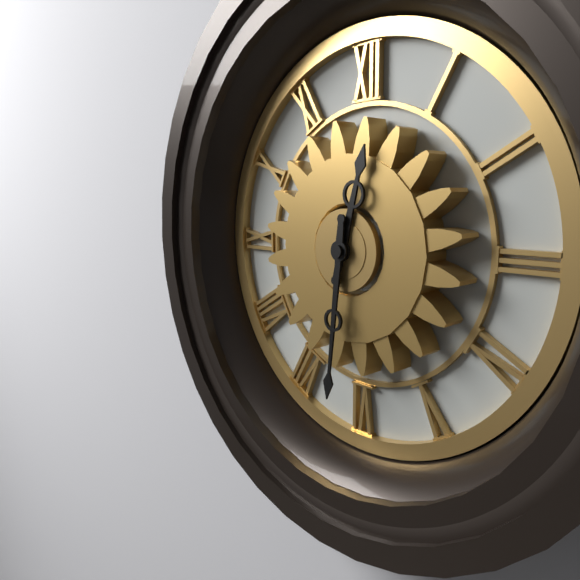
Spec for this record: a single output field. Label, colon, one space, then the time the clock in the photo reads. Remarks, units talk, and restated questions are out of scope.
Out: 12:31
